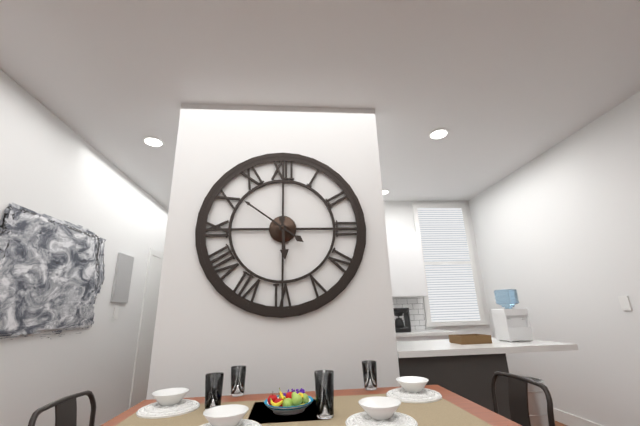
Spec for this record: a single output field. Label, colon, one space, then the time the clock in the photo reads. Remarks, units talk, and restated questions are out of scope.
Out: 5:51
